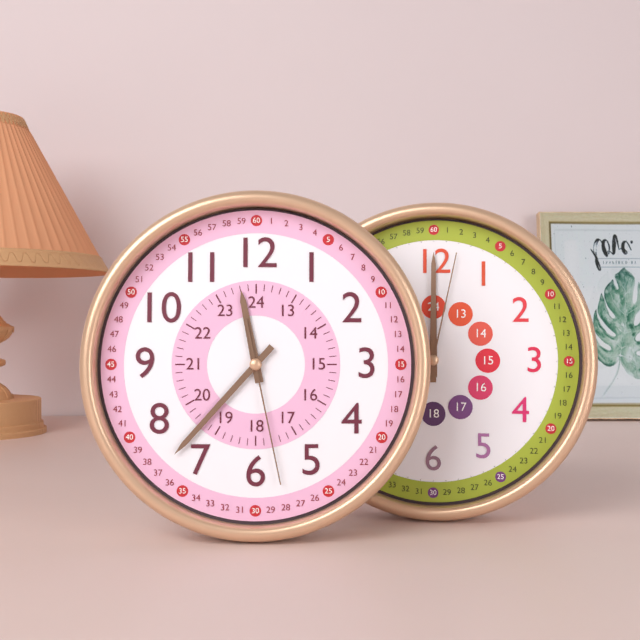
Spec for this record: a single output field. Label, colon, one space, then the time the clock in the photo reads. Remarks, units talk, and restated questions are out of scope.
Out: 11:37:28
